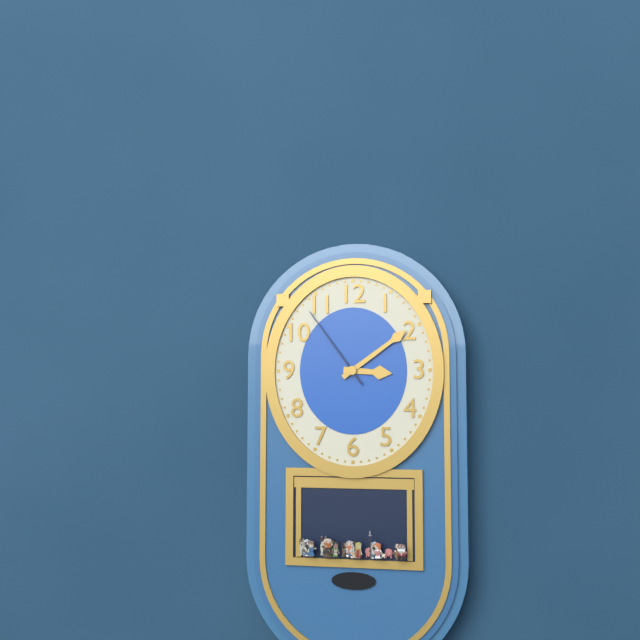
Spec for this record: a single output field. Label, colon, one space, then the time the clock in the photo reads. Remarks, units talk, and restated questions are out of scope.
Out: 3:09:54
